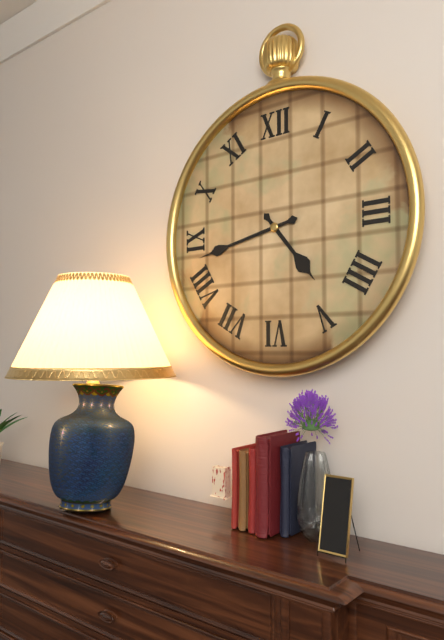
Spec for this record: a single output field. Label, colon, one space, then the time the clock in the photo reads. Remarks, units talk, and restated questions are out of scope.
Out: 4:43
